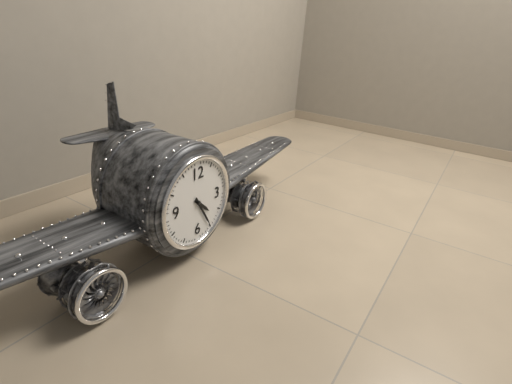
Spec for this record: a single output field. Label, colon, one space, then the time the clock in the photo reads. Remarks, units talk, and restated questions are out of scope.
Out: 4:25
